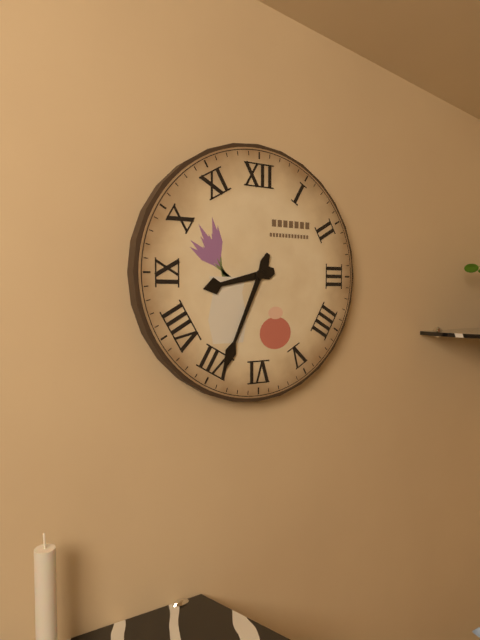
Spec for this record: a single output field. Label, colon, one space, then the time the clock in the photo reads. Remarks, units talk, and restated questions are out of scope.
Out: 8:34
